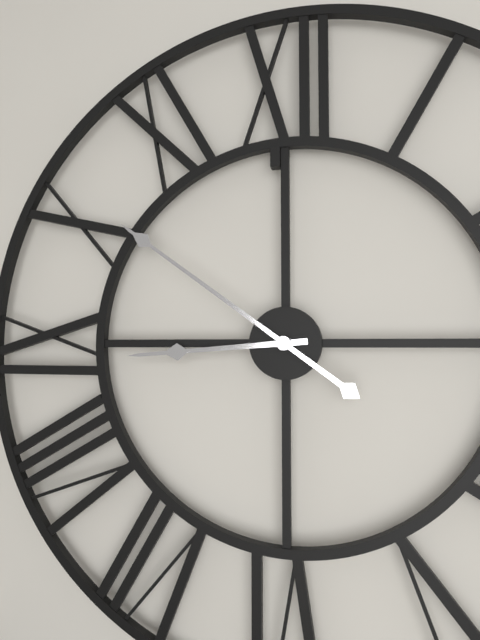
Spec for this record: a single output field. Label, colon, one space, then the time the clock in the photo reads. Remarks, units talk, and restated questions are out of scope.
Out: 8:51
